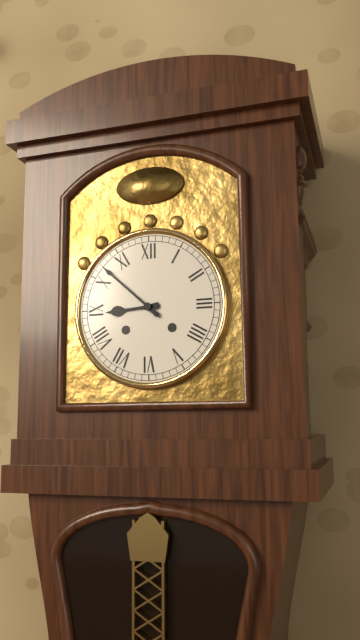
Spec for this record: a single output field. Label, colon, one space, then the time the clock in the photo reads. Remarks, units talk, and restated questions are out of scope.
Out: 8:52
